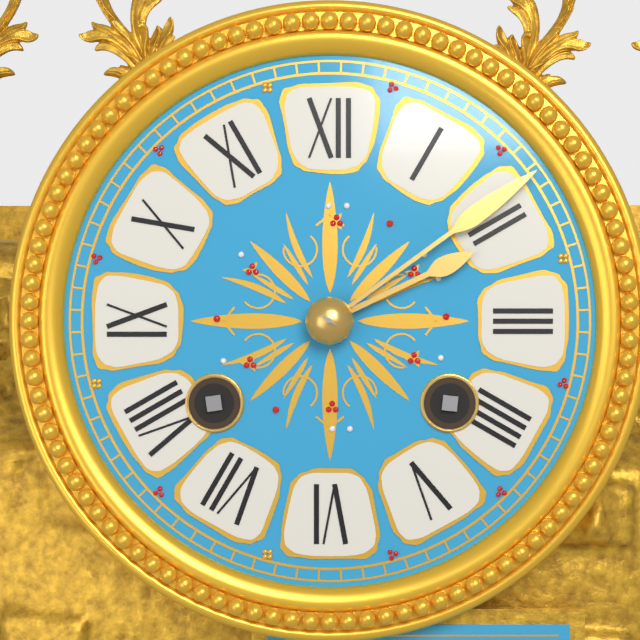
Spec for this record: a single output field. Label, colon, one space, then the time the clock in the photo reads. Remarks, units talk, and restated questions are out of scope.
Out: 2:09
